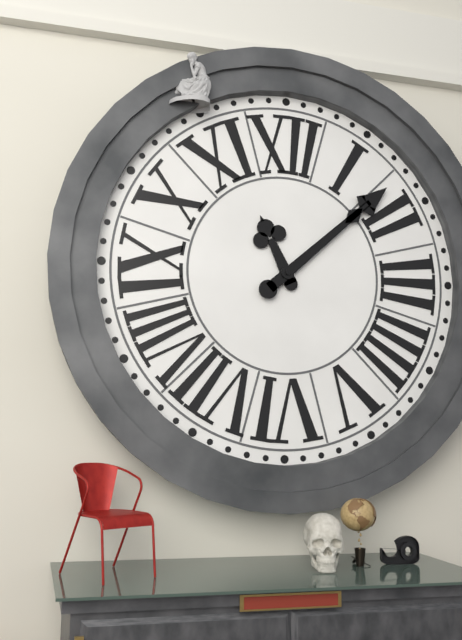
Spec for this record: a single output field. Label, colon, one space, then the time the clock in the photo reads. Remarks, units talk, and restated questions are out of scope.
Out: 11:08
